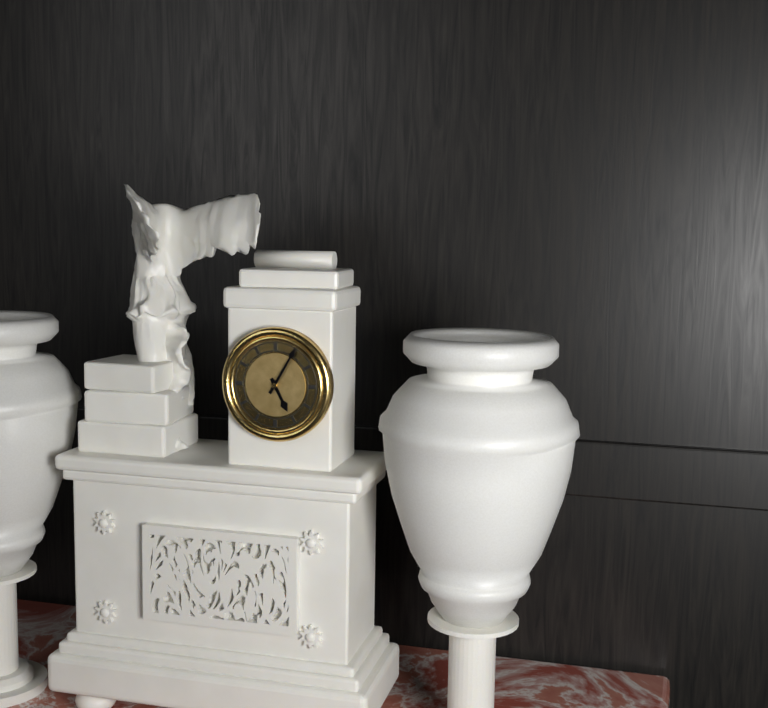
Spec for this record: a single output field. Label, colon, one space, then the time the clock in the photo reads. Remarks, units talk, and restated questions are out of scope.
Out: 5:05
